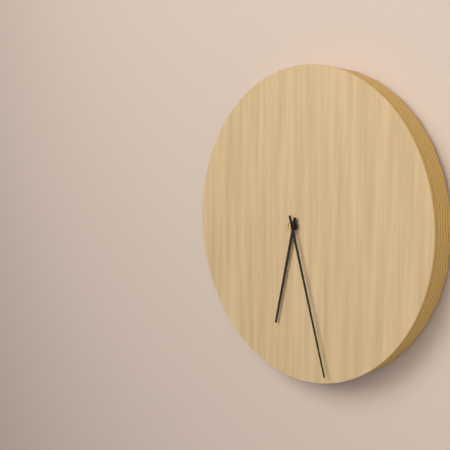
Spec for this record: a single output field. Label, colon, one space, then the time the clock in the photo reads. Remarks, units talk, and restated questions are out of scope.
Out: 6:27
